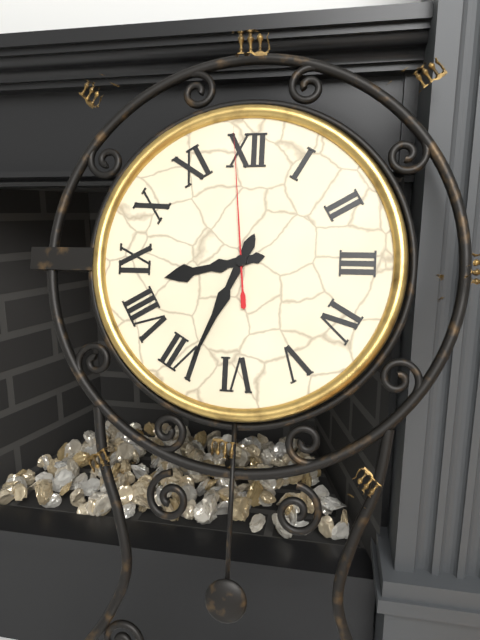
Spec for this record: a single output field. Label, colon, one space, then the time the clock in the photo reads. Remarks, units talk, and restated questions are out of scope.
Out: 8:34:59
